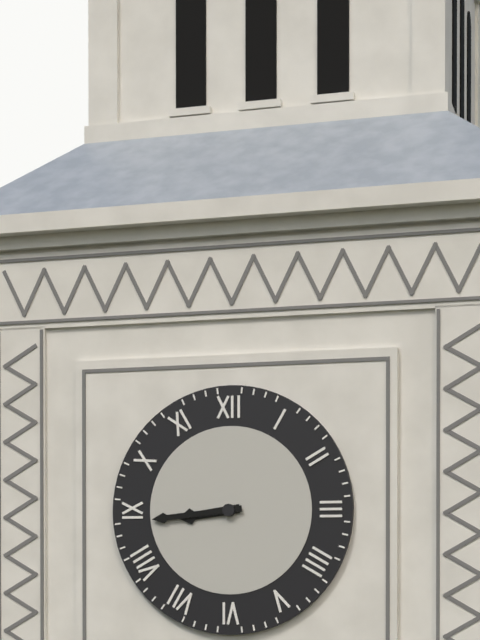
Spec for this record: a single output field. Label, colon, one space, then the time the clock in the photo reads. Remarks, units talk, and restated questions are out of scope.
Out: 8:44
